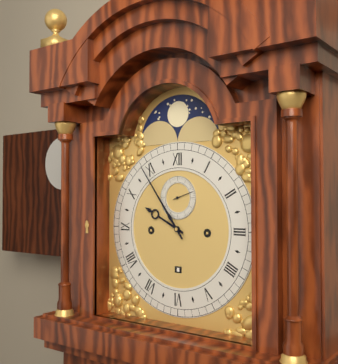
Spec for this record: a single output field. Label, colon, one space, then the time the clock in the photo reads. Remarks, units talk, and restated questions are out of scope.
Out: 9:54
